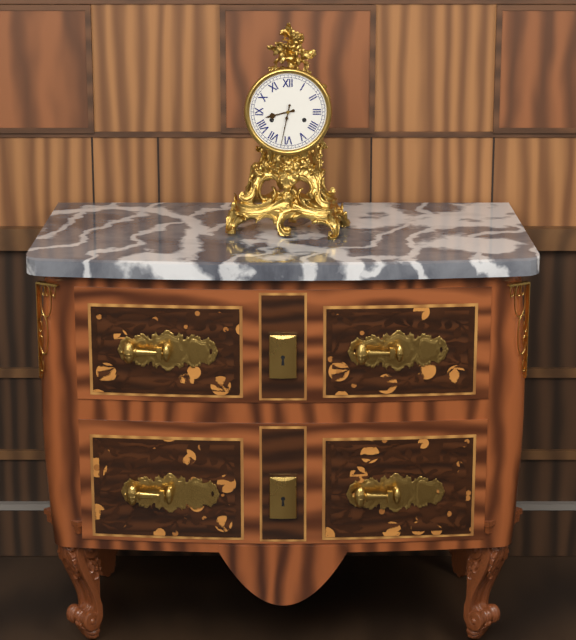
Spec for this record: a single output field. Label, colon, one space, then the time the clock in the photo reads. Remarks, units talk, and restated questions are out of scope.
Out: 8:32
